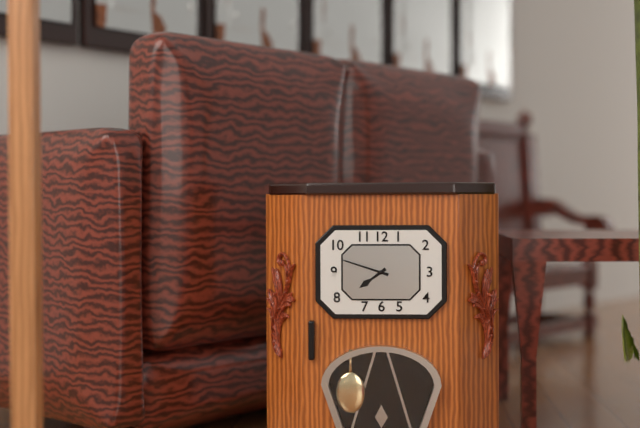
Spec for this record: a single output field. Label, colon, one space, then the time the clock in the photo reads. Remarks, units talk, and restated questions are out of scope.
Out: 7:48
